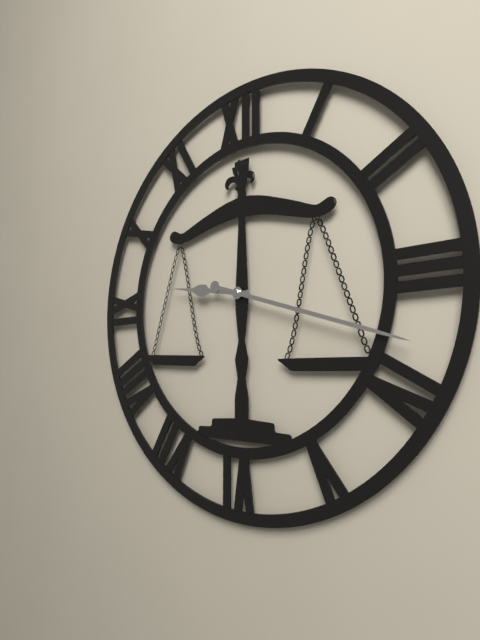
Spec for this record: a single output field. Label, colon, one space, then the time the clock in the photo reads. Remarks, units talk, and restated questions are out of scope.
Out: 9:18
